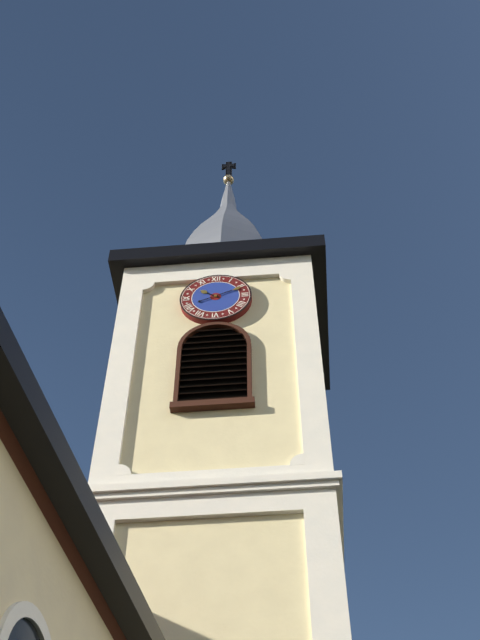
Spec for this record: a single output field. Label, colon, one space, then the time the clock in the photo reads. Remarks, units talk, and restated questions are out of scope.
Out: 10:11
